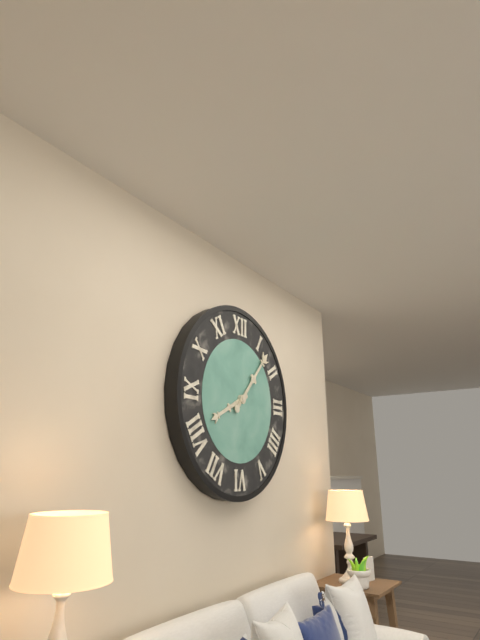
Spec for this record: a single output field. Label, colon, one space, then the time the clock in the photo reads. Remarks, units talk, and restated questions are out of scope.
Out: 8:07
